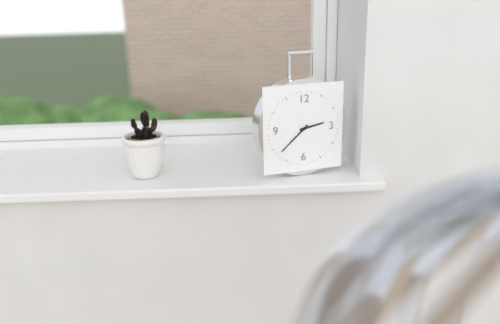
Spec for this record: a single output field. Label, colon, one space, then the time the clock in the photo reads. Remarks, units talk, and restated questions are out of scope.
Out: 2:38
